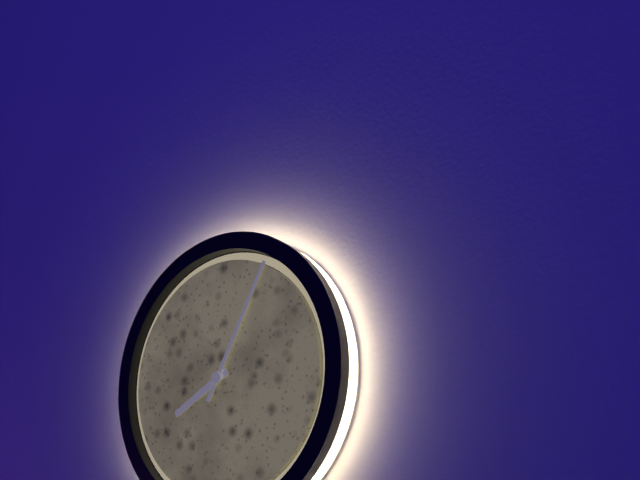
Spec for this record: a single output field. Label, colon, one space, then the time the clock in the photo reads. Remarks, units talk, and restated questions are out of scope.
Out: 8:05
